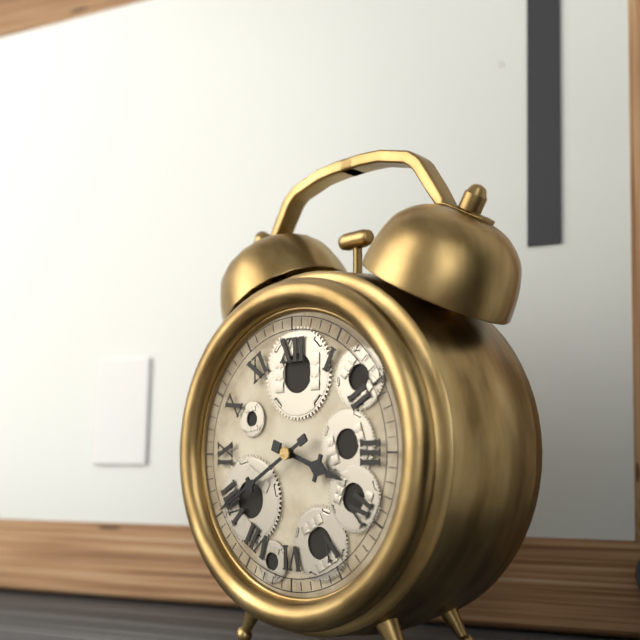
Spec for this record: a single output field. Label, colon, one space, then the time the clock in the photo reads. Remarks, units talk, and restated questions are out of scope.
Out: 3:40
